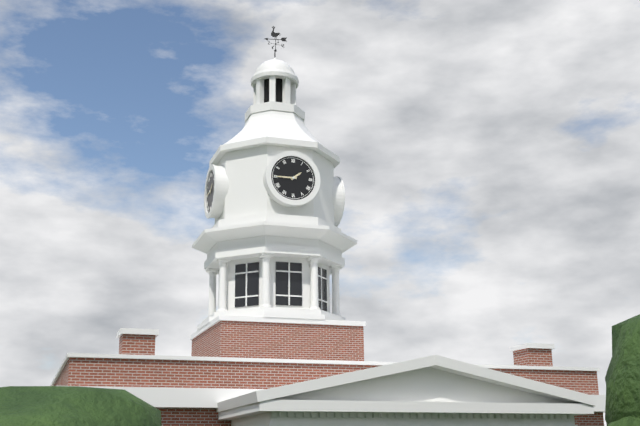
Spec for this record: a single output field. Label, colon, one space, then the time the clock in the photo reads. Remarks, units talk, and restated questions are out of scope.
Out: 1:45
